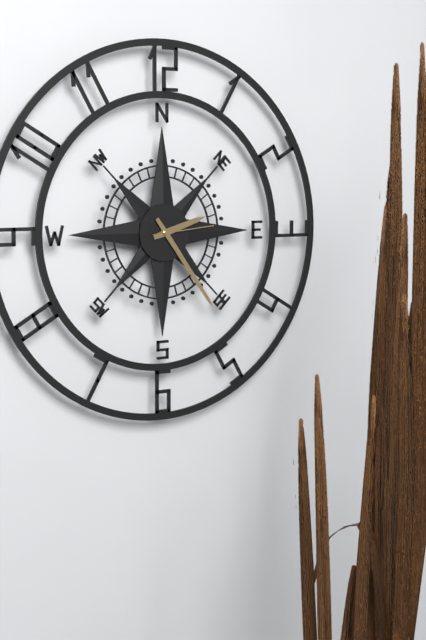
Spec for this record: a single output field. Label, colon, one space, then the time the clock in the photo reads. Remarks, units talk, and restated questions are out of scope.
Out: 2:24:14
